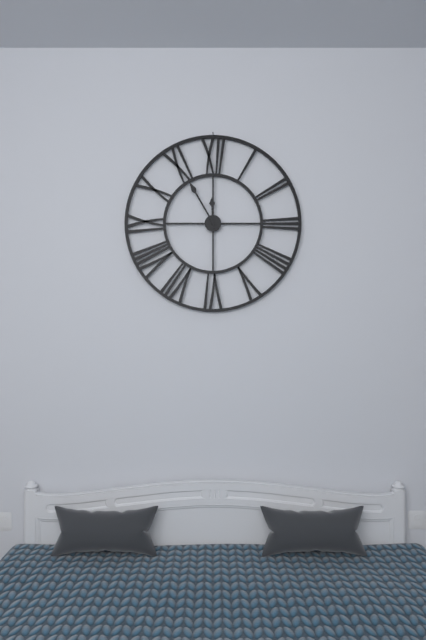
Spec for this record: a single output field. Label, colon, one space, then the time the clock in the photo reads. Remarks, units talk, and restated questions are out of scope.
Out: 11:55
